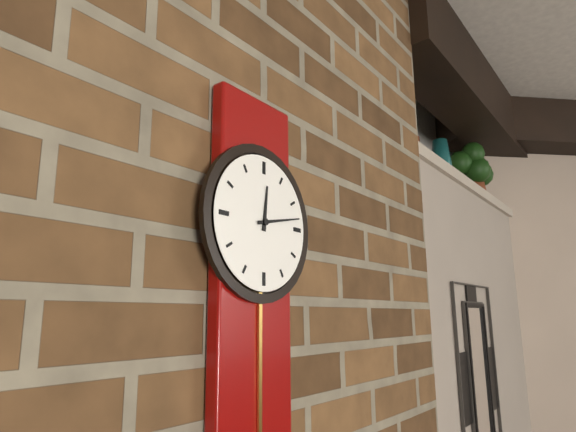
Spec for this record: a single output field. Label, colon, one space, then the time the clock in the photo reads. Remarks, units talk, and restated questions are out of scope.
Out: 12:13
